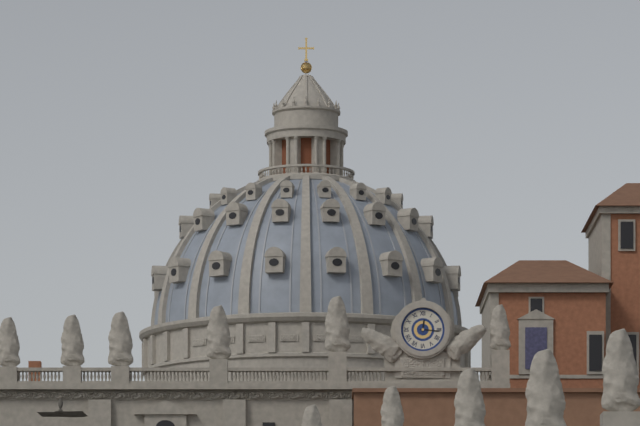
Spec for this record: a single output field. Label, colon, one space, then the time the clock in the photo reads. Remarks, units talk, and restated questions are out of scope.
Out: 12:16
